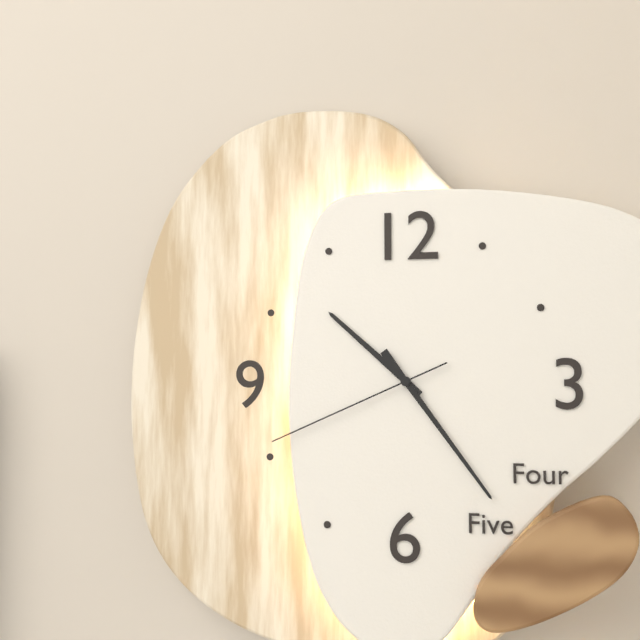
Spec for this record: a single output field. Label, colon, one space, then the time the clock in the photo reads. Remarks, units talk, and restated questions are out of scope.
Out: 10:24:41
